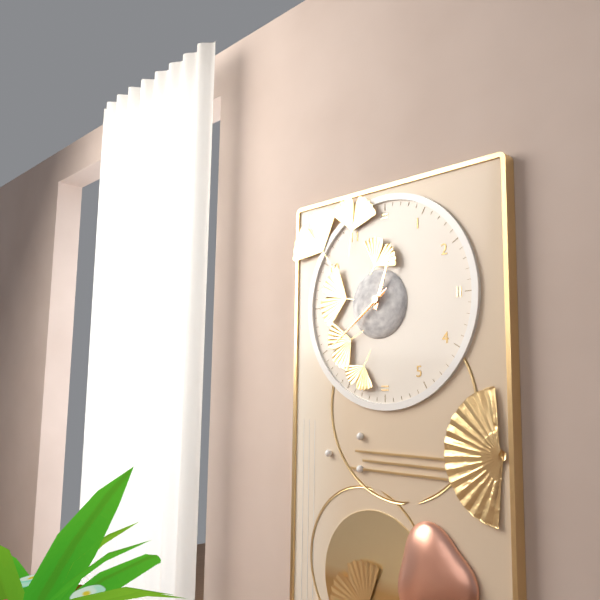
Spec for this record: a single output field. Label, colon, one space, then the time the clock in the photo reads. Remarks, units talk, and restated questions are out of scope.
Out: 12:39:39
